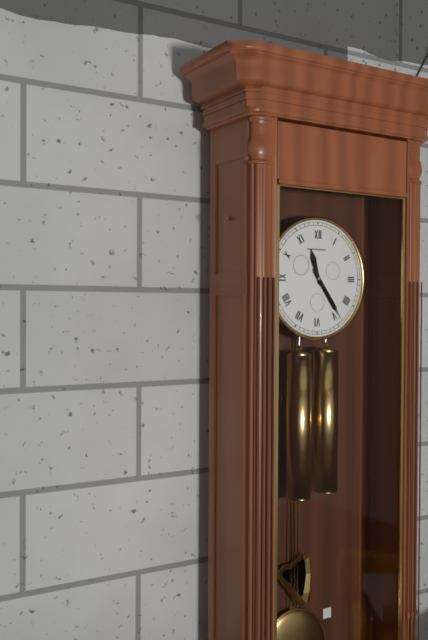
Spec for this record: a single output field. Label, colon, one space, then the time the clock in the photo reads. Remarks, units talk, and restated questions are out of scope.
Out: 11:24
